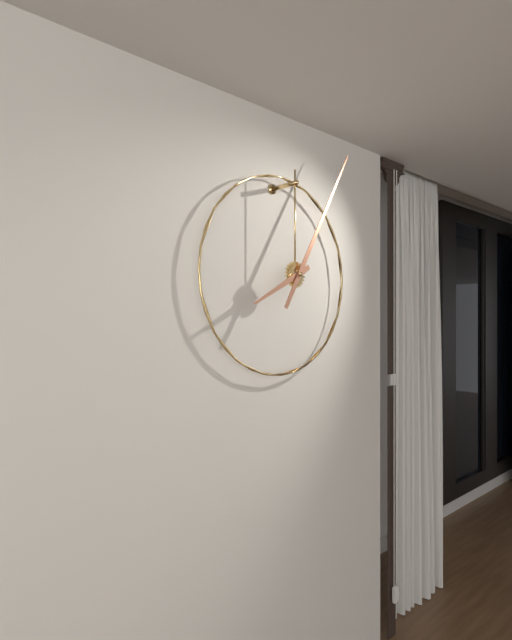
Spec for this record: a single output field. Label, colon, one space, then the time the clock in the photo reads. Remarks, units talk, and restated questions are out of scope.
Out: 8:05
